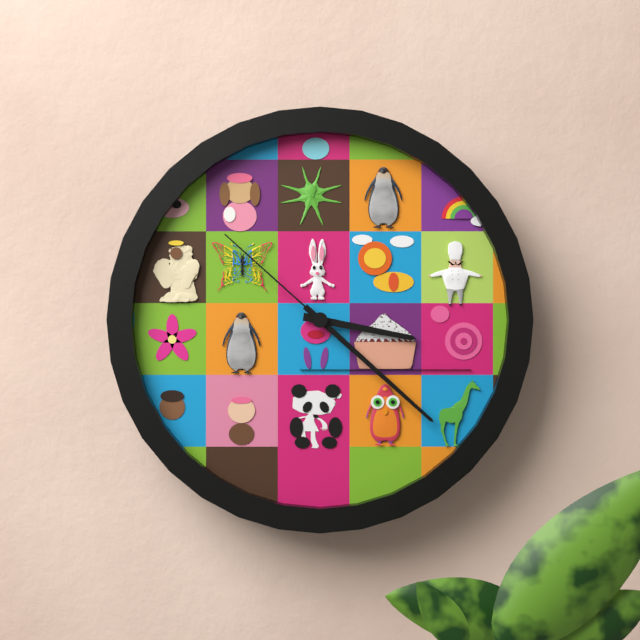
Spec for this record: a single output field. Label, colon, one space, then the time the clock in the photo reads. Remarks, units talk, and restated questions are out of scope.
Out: 3:22:52
